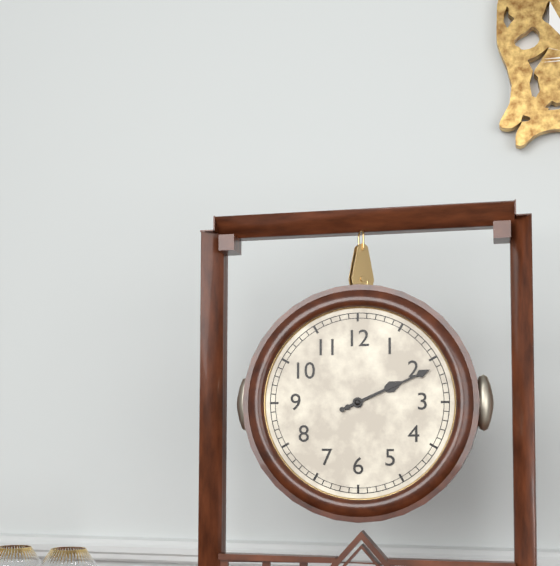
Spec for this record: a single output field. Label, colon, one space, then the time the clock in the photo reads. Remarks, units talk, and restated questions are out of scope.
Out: 2:11
